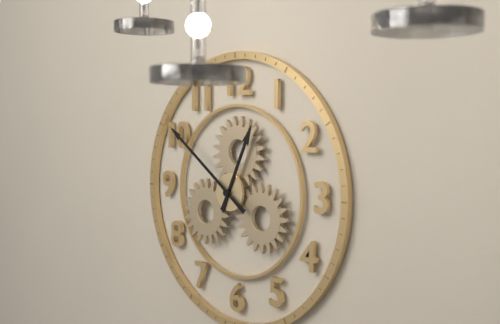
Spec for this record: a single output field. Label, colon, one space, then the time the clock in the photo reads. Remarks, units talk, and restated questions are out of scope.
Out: 12:51
